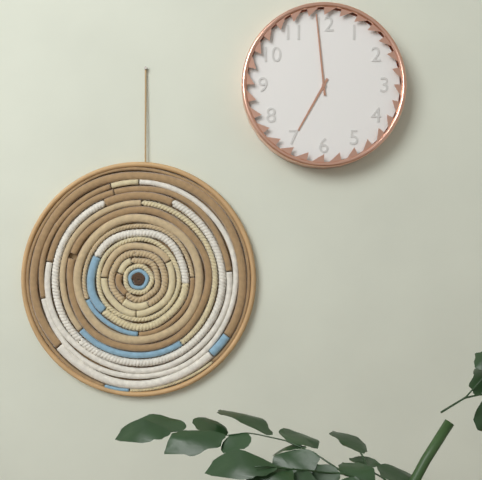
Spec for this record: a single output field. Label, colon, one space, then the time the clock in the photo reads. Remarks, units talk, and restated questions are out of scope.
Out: 6:59
